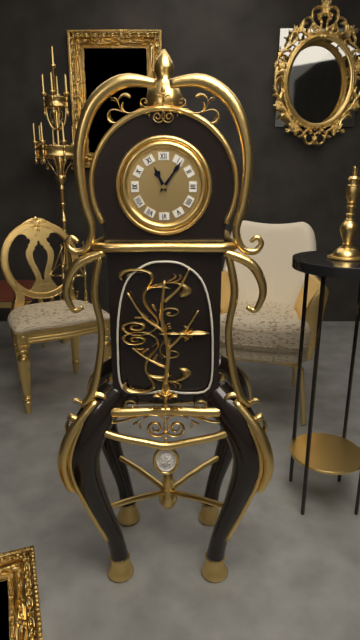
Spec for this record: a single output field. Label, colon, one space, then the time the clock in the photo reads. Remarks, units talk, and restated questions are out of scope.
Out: 11:06
